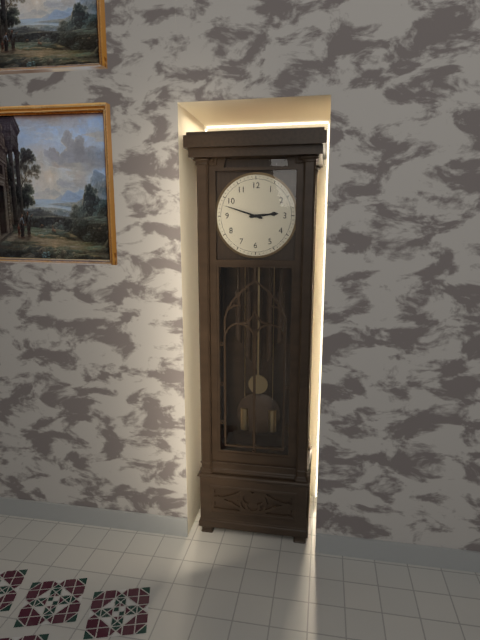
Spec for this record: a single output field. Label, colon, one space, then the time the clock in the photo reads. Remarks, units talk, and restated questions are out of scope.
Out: 2:48
